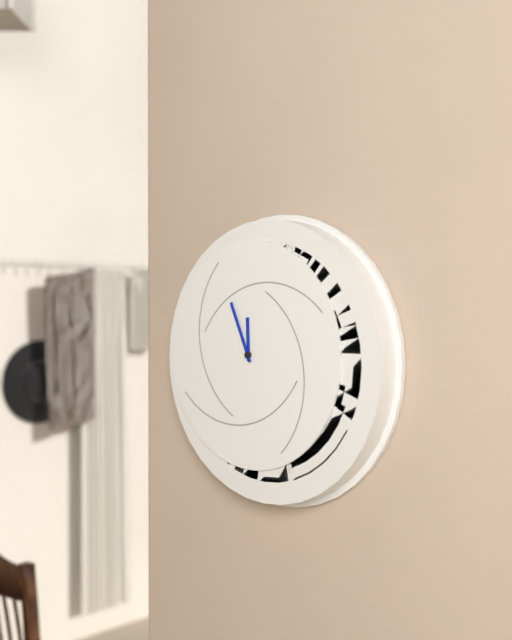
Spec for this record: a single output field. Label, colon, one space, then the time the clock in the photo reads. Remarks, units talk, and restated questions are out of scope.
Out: 11:56
